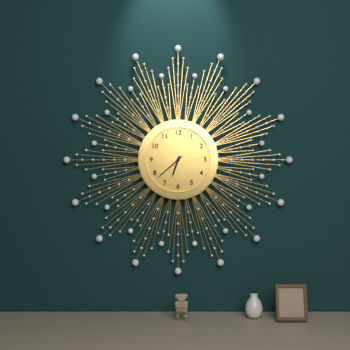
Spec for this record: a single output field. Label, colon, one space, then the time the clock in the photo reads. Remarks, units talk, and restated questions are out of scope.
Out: 6:38
